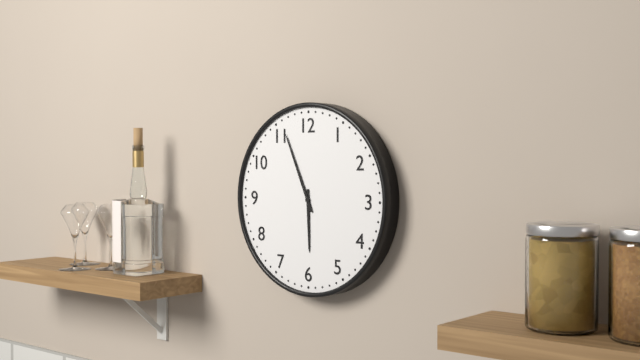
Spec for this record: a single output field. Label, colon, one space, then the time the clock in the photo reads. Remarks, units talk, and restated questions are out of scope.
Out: 5:56
